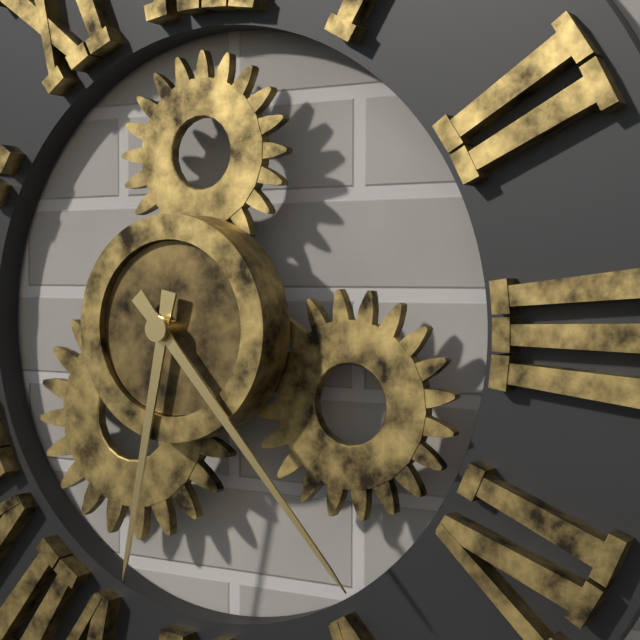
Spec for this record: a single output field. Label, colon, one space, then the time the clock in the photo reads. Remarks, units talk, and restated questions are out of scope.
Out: 6:23
